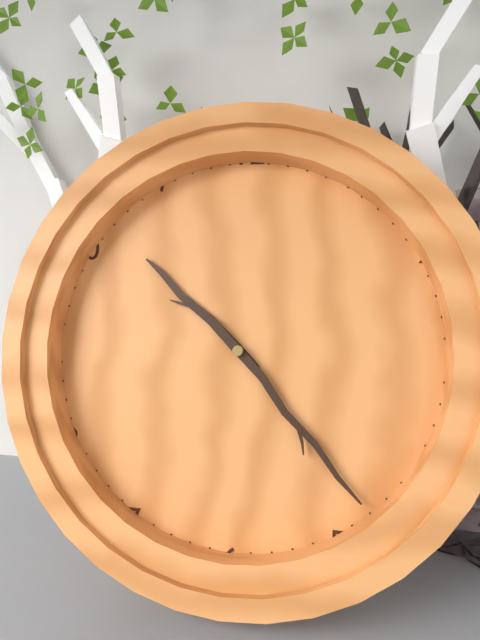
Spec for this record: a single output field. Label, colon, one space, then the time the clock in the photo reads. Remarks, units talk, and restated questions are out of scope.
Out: 10:23
